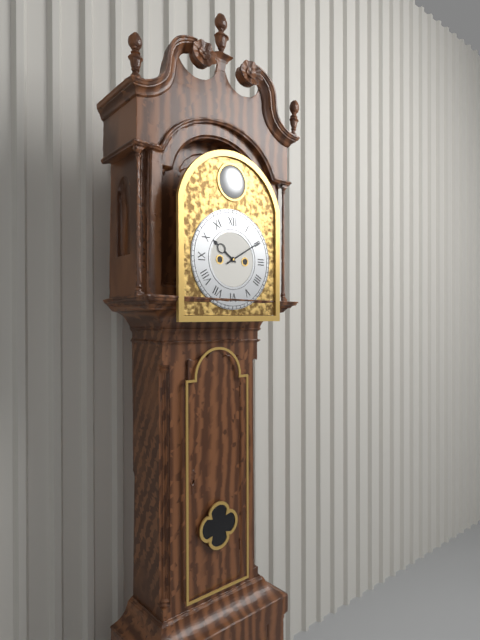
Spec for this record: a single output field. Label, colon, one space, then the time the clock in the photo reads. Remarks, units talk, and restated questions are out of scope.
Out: 10:10
